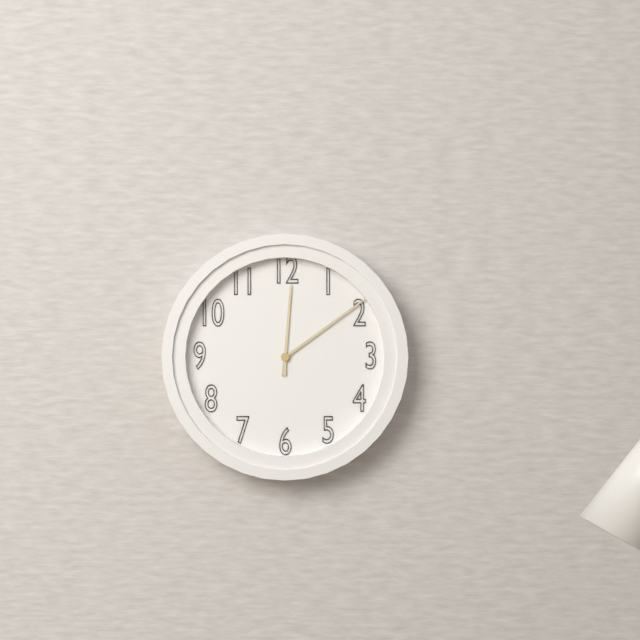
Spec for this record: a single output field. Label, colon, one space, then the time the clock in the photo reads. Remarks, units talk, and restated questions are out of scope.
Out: 12:09
